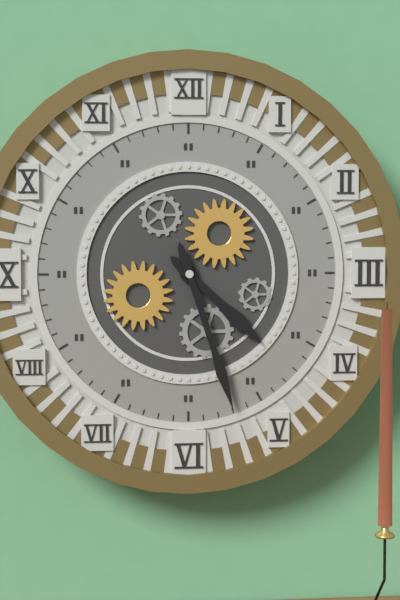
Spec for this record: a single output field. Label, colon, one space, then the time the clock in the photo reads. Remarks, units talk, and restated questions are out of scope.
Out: 4:27
